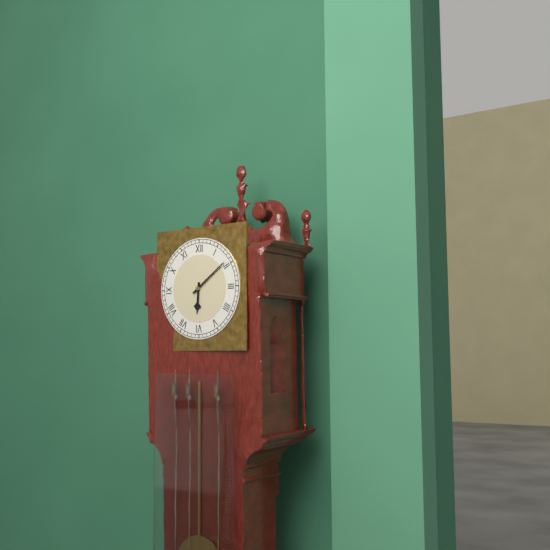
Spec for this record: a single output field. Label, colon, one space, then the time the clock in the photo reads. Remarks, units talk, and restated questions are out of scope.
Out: 6:09
